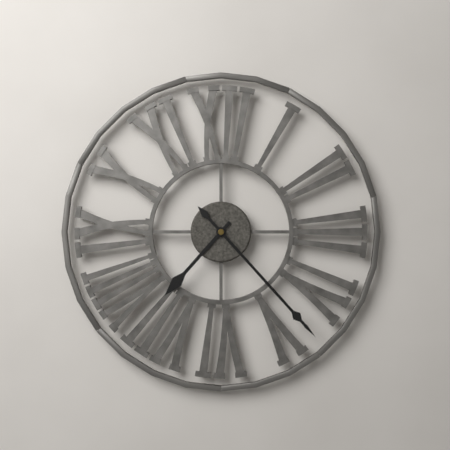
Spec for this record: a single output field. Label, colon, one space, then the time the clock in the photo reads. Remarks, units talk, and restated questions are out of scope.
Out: 7:23
